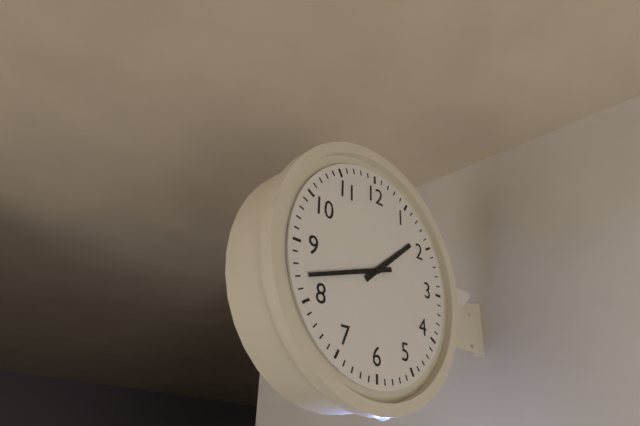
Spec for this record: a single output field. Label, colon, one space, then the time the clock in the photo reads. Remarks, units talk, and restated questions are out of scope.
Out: 1:42
